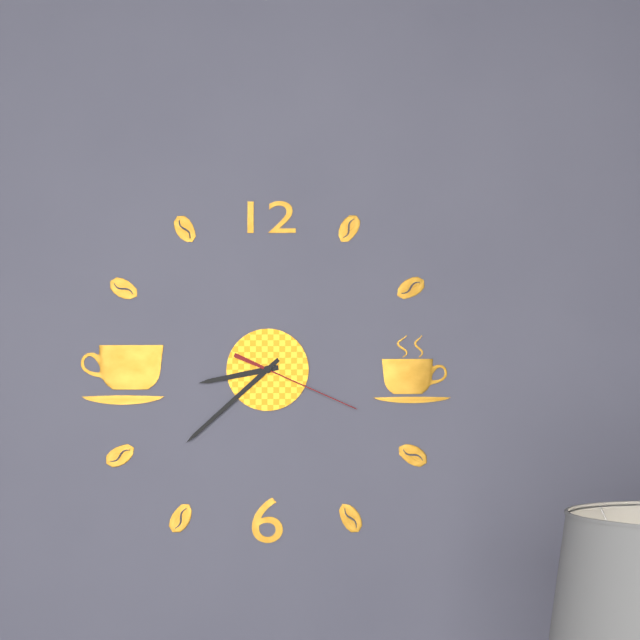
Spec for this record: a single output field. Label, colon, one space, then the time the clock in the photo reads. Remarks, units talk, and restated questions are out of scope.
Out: 8:38:19
